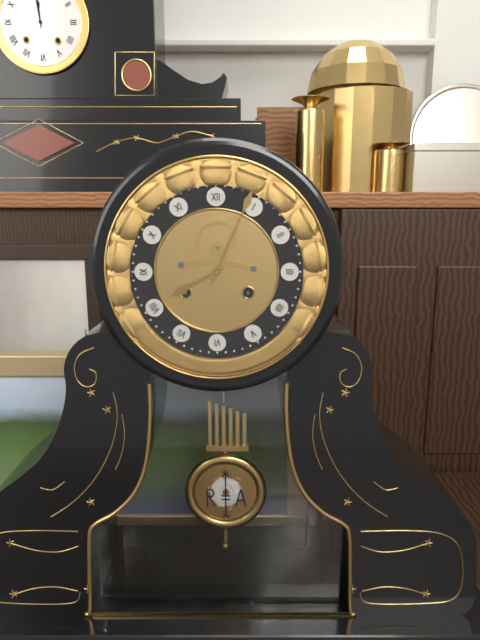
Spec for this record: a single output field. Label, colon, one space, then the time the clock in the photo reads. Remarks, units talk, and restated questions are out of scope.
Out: 8:04
